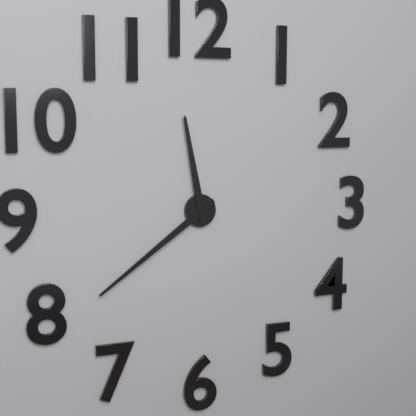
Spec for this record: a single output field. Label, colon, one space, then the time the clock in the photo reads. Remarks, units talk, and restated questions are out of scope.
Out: 11:39
